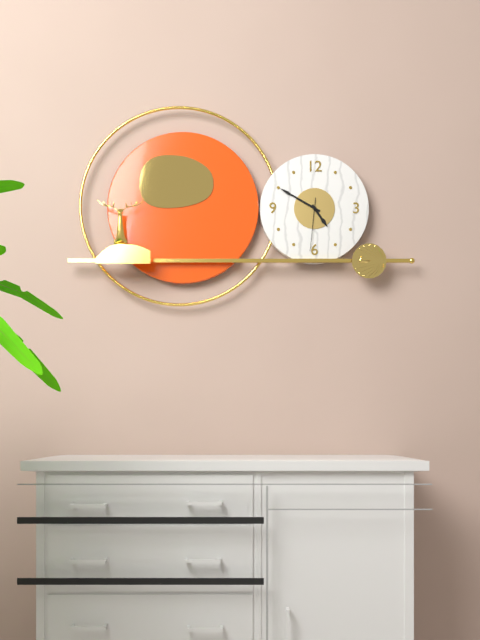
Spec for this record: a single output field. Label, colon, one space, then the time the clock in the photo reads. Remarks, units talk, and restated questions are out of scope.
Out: 4:50:31
